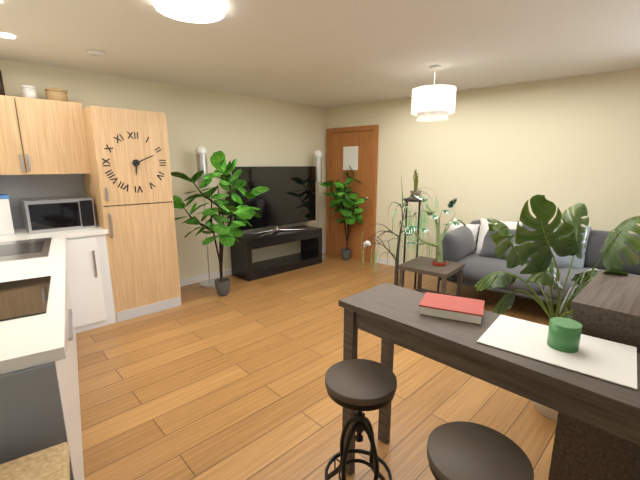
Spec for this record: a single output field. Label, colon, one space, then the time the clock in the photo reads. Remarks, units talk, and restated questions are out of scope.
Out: 6:11
